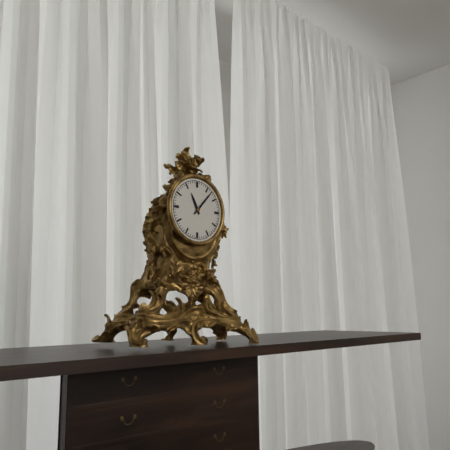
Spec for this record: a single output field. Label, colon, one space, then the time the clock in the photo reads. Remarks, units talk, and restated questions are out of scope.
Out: 11:07
